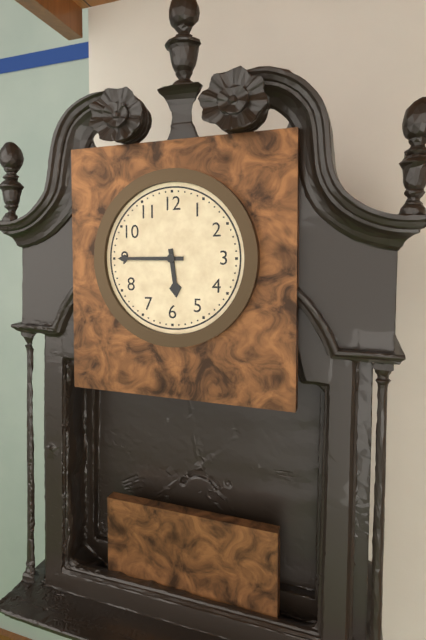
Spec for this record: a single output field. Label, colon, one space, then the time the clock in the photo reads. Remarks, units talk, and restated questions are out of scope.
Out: 5:45
